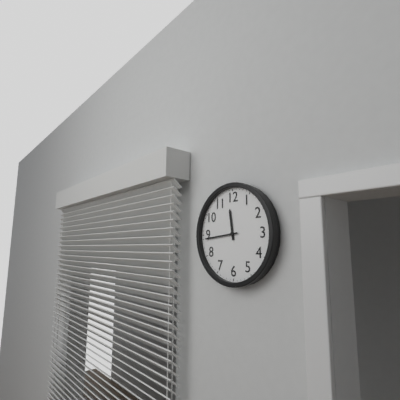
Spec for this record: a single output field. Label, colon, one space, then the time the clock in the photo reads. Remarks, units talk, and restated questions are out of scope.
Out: 11:44
